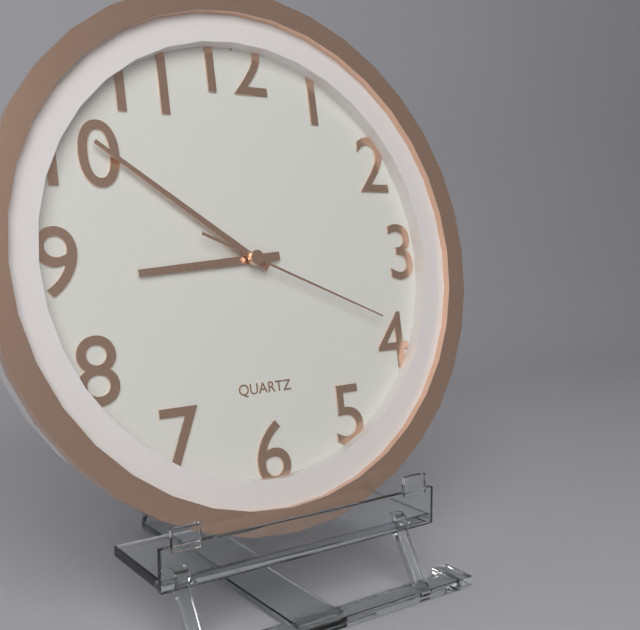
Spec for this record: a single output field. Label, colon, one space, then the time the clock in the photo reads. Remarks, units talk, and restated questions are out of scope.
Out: 8:51:19
